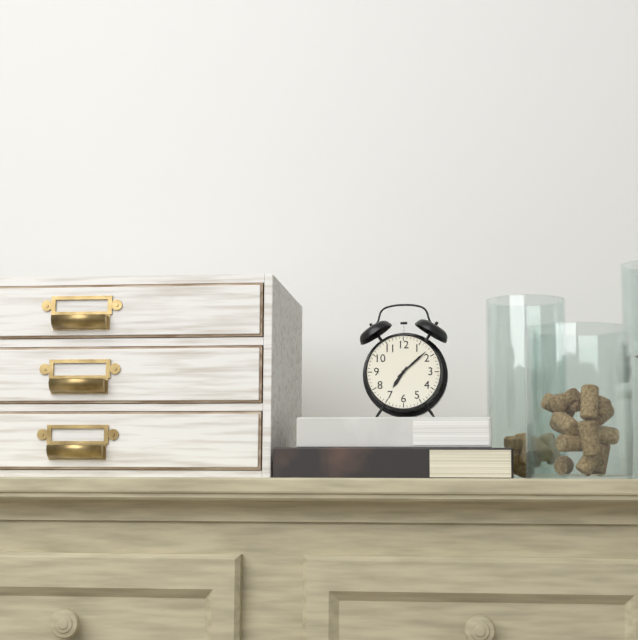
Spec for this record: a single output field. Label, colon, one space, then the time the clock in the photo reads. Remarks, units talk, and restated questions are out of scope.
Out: 7:08
